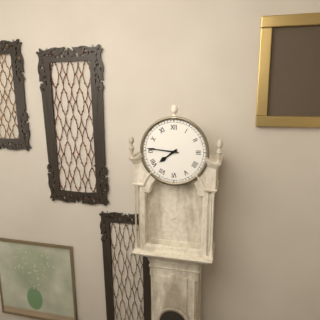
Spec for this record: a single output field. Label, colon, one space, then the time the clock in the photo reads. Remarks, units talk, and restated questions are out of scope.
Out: 7:46
